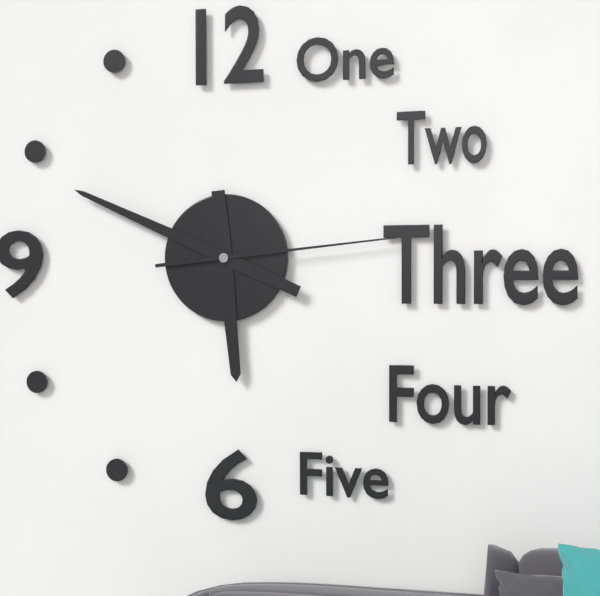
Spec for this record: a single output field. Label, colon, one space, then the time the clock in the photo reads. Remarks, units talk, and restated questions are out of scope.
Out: 5:49:14
